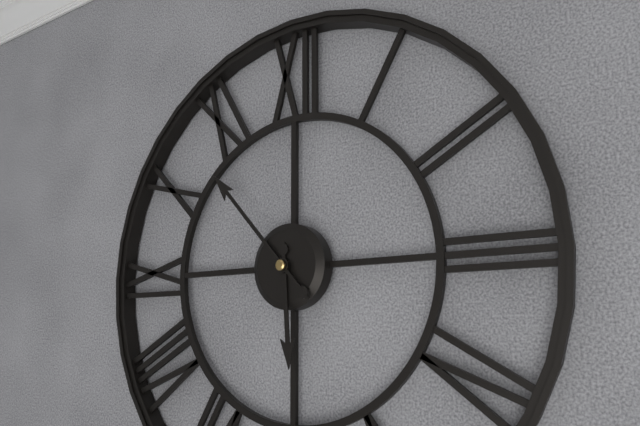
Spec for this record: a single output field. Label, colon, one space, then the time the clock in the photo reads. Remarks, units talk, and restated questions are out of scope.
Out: 5:53
